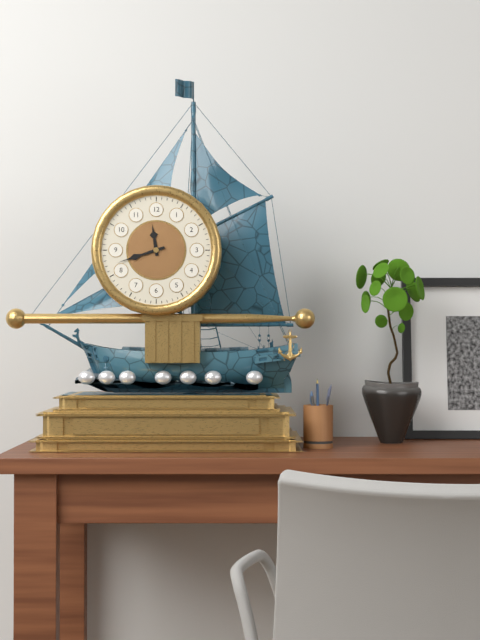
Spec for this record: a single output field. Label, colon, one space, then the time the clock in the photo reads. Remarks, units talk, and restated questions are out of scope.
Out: 11:42
